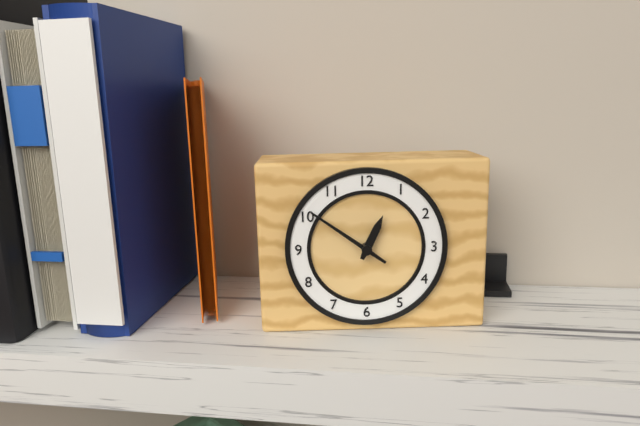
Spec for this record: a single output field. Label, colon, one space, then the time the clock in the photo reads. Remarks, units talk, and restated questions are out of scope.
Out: 12:51
